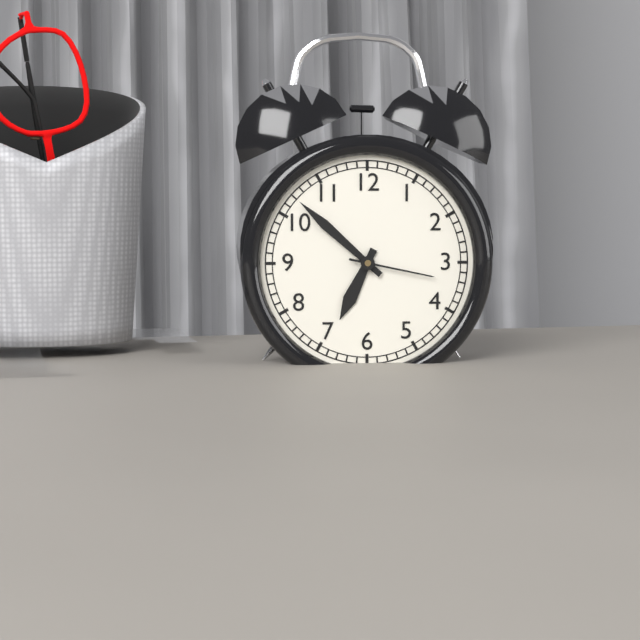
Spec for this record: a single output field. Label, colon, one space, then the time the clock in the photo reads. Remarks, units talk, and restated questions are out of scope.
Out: 6:52:17
